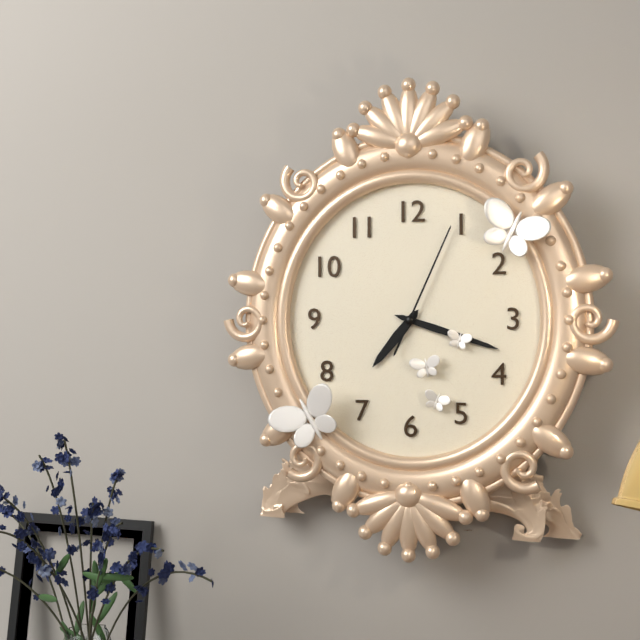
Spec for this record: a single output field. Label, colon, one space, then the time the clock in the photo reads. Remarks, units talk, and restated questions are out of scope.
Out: 7:18:04
